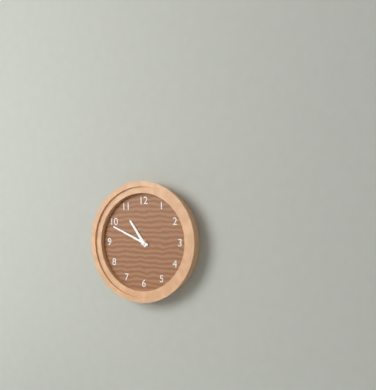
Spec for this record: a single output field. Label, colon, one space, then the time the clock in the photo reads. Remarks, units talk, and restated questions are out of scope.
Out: 10:49
